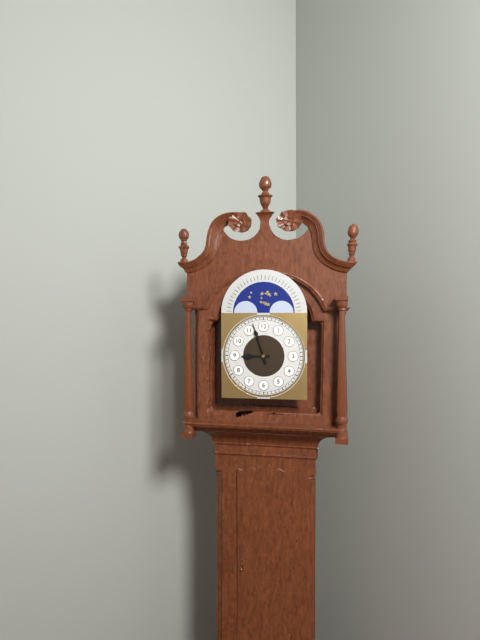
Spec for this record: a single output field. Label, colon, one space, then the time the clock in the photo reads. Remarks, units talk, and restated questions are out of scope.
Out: 8:57
